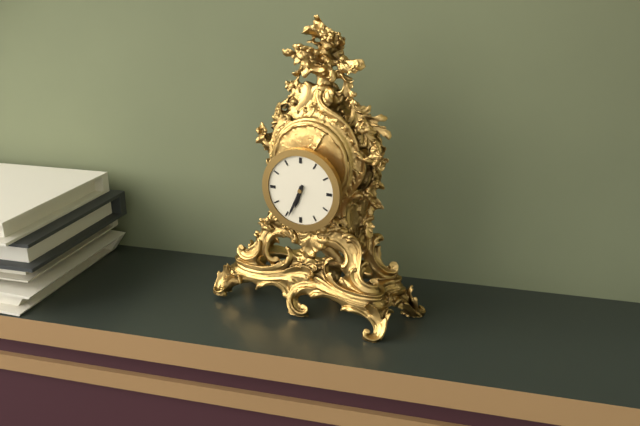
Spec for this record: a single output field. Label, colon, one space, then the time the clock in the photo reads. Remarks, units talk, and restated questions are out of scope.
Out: 6:34
